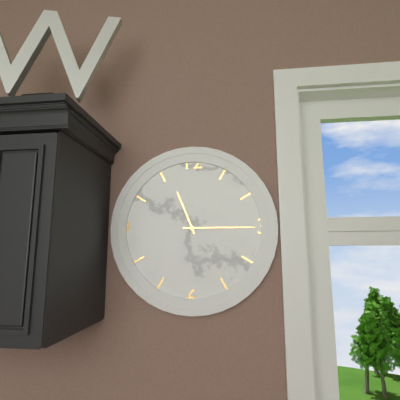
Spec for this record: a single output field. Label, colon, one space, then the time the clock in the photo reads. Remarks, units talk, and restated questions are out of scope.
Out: 11:15
